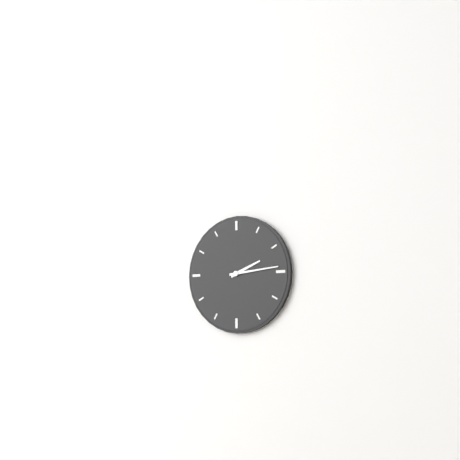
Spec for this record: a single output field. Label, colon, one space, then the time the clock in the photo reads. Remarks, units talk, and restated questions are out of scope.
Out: 2:14
